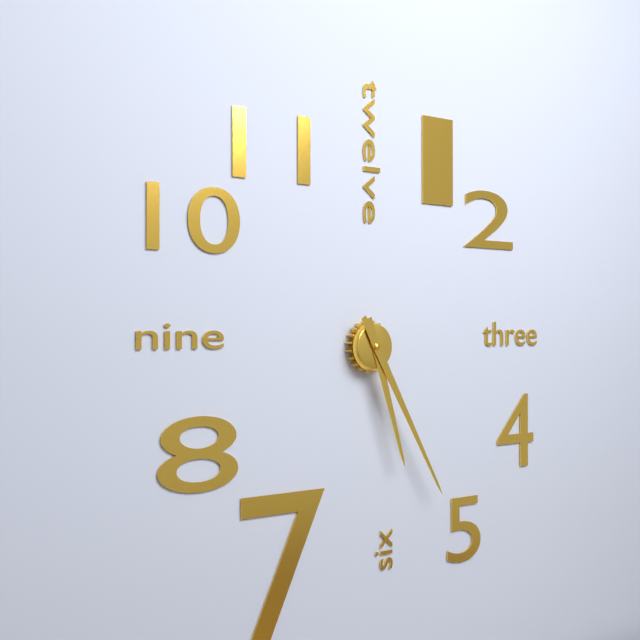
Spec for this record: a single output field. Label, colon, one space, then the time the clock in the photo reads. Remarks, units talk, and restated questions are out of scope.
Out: 5:25
